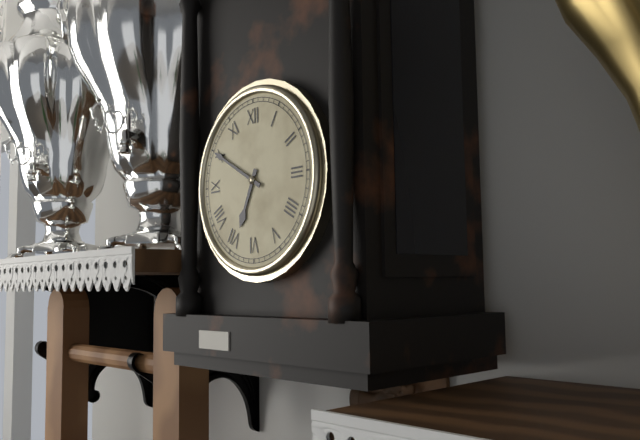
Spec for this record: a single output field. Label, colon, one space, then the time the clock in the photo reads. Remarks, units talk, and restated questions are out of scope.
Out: 6:50
